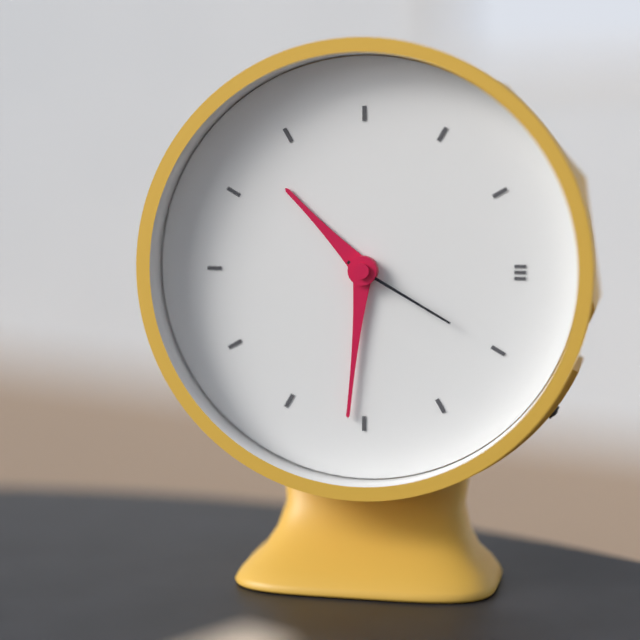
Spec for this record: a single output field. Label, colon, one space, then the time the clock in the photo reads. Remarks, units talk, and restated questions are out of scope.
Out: 10:31:20
